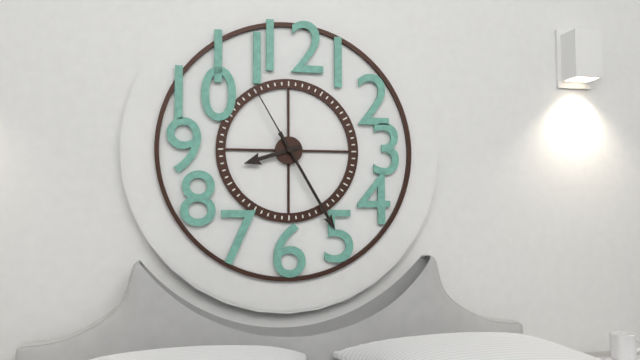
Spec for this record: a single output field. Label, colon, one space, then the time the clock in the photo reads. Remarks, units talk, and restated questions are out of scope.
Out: 8:25:55
